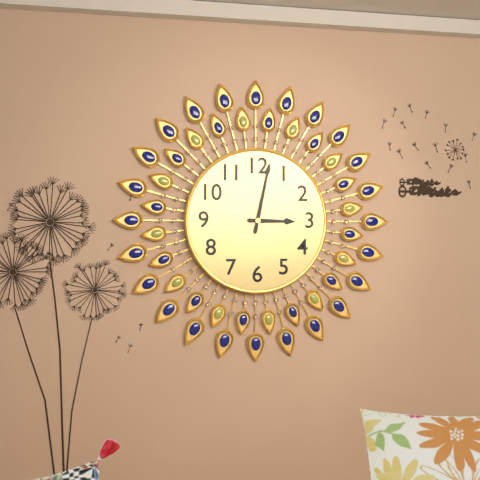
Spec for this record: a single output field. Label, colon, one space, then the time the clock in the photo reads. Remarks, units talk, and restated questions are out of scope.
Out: 3:02
